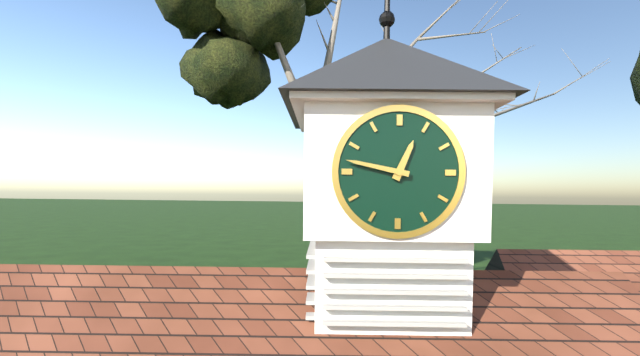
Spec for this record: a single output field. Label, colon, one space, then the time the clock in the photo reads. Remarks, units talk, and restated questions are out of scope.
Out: 12:47
